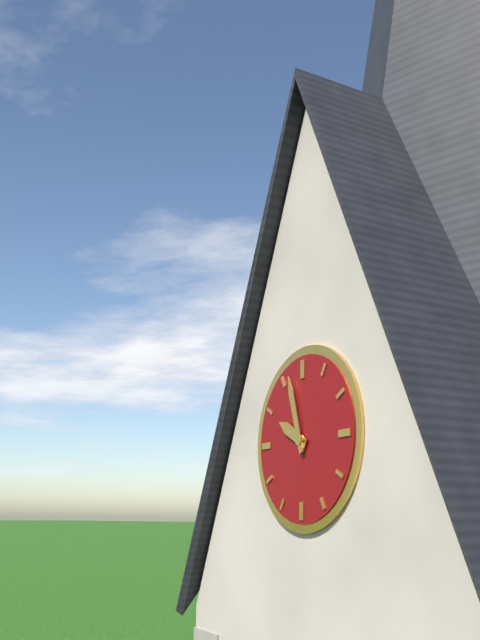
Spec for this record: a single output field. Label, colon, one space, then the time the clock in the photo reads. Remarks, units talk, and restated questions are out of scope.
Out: 9:57
